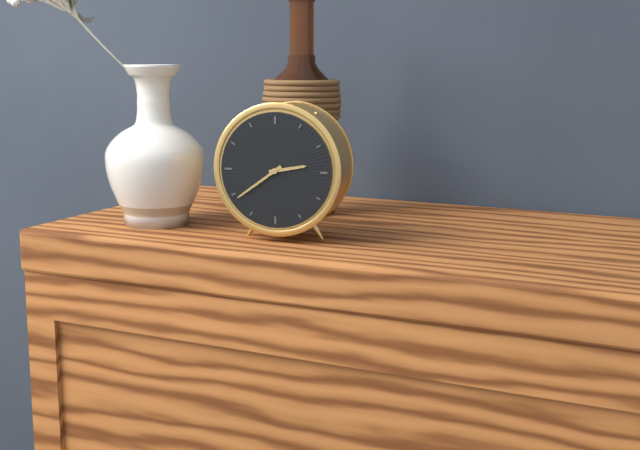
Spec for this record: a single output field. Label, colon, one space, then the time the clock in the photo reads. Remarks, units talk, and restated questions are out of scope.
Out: 2:39
